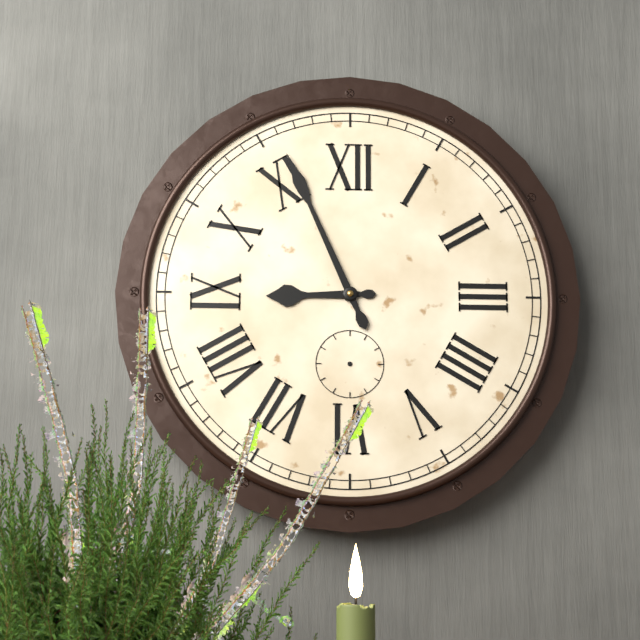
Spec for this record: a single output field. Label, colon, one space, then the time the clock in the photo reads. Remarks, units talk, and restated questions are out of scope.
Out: 8:56
